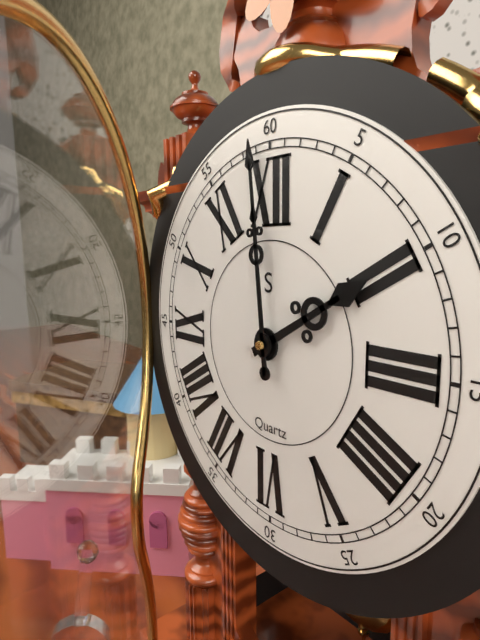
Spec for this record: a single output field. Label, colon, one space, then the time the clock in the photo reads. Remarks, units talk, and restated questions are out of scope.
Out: 1:59
